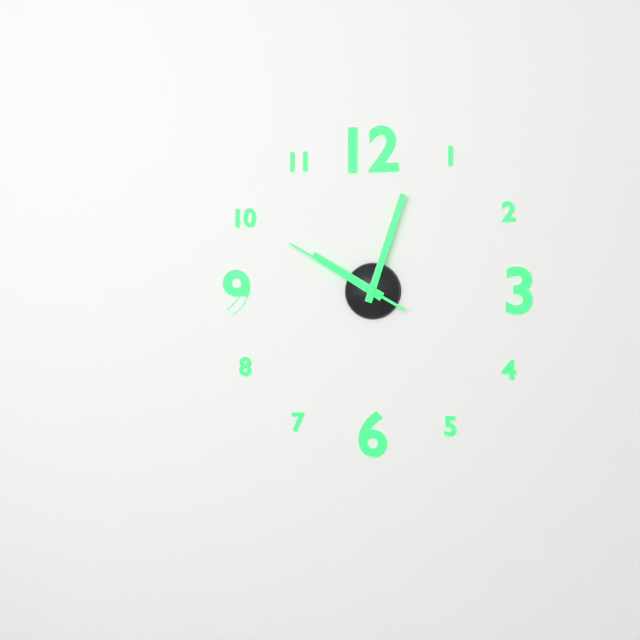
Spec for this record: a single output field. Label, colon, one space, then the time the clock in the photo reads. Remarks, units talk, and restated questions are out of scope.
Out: 10:03:50
